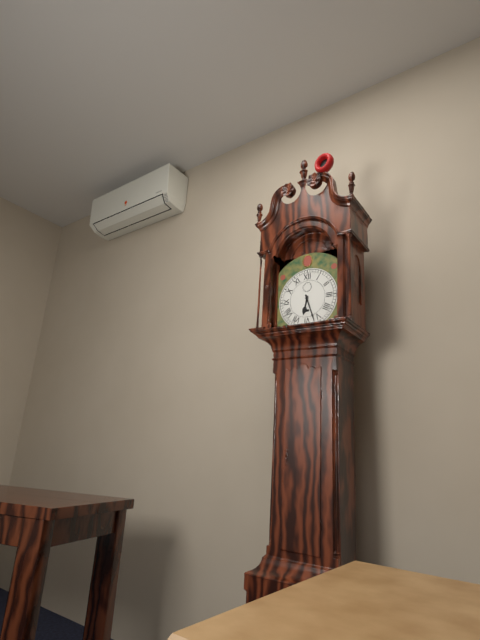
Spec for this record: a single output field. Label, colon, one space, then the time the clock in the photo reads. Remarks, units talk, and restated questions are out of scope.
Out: 6:27
